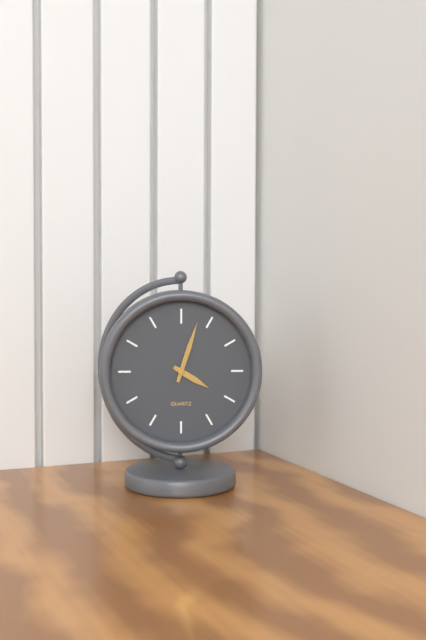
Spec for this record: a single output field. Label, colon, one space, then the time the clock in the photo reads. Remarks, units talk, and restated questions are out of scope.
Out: 4:03
